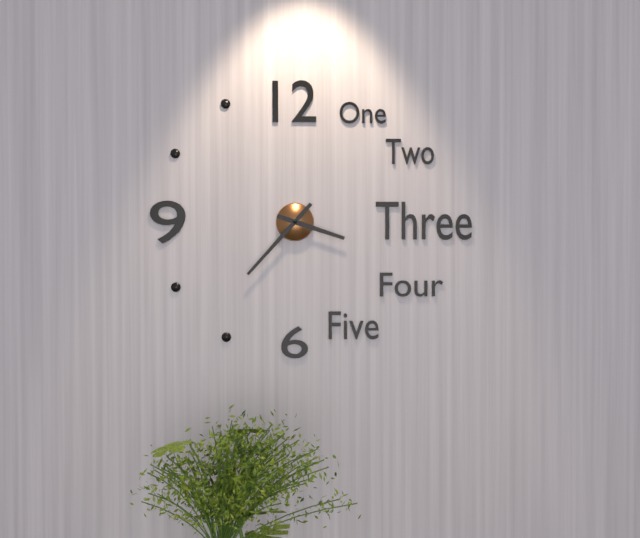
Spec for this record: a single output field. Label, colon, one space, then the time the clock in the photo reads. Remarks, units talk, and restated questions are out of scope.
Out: 3:37
